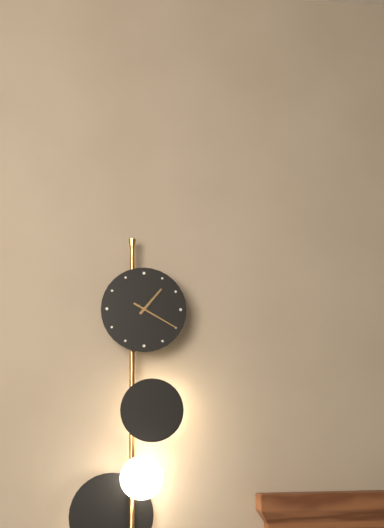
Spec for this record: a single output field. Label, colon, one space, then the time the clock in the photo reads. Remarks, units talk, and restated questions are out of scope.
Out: 1:20
